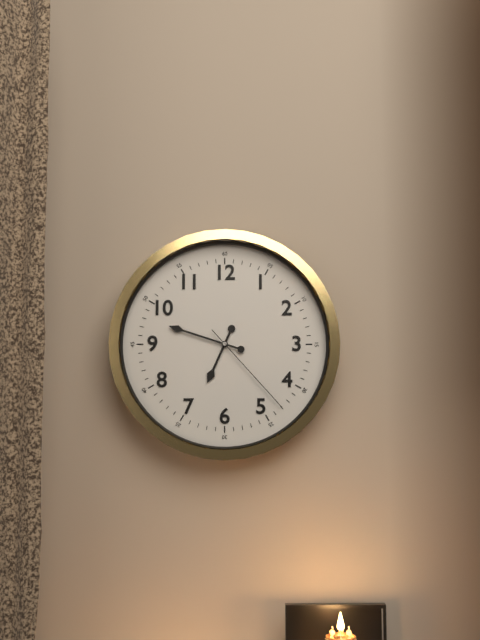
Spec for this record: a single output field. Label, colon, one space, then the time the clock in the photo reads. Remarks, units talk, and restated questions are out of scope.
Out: 6:48:23
